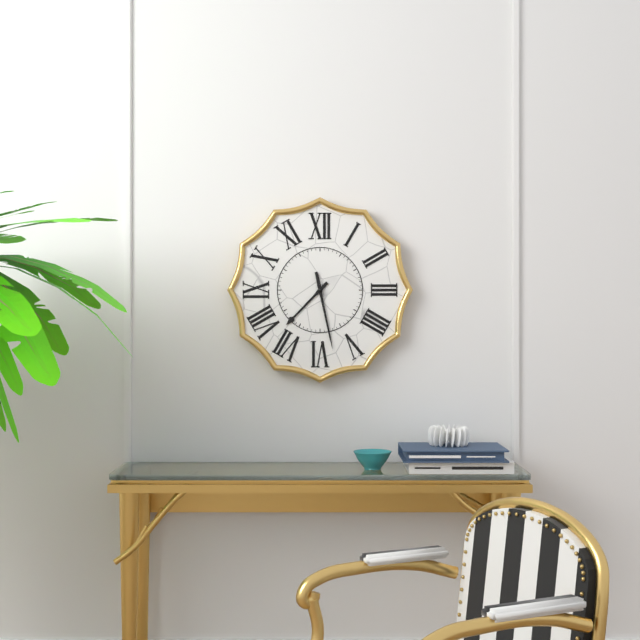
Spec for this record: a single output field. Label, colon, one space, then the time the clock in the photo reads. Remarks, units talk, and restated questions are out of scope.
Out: 7:28
